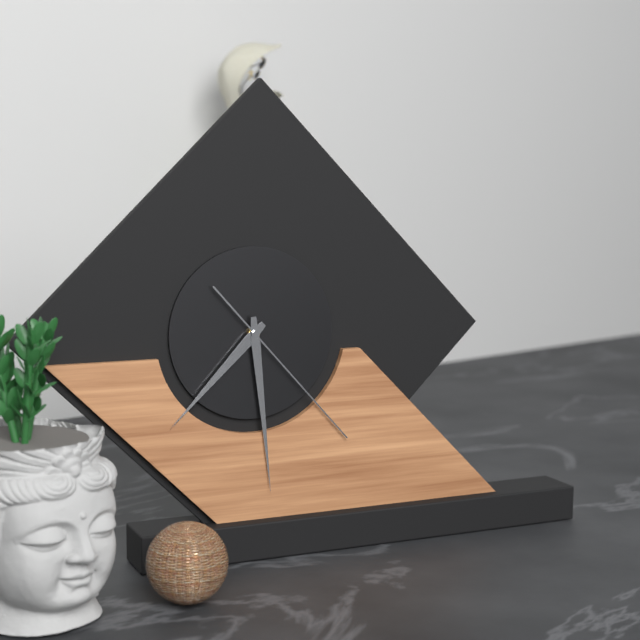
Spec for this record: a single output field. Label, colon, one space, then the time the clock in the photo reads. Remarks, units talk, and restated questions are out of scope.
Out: 7:29:23
